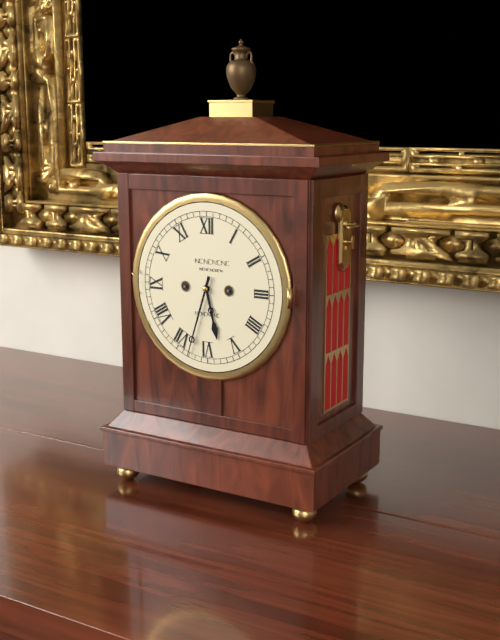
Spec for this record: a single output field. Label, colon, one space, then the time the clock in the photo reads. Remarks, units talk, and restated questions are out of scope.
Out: 5:33
